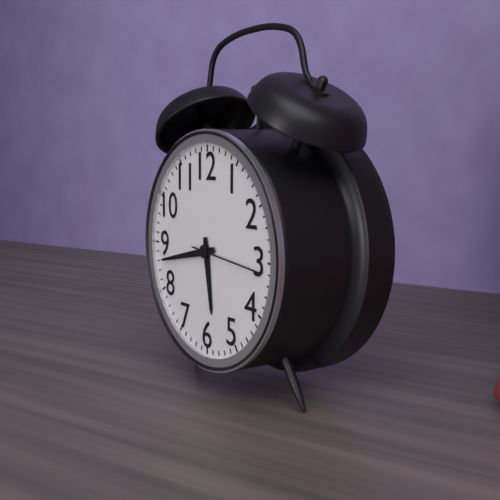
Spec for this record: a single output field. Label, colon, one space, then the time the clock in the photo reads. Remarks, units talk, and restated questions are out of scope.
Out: 5:43:16
